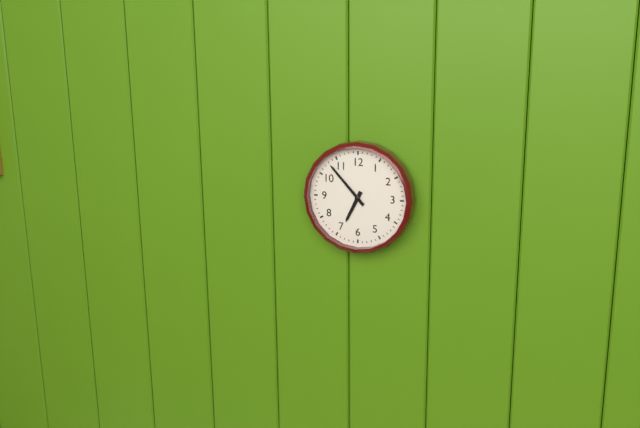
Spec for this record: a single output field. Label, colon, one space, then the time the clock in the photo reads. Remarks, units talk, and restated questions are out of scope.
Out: 6:53
